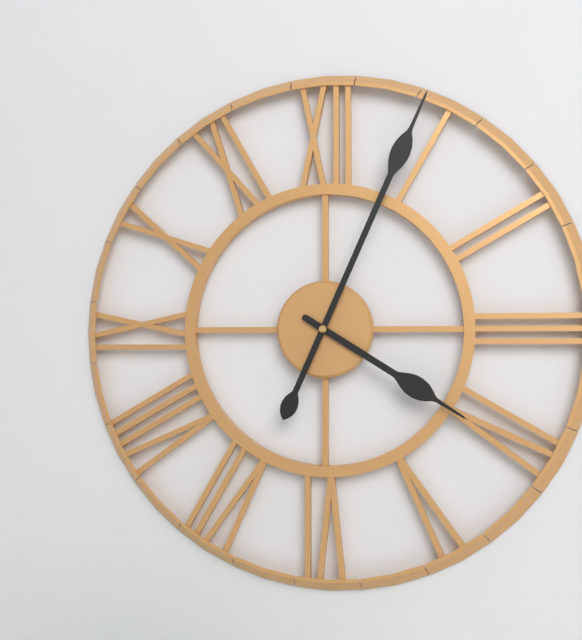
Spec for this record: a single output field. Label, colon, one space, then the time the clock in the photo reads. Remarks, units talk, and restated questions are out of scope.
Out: 4:04
